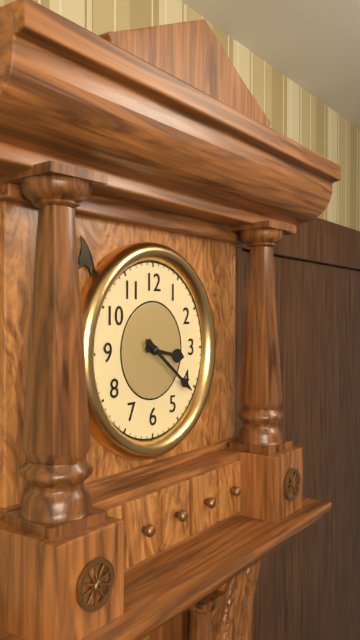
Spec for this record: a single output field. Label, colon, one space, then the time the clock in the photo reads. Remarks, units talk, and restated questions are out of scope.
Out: 3:21
